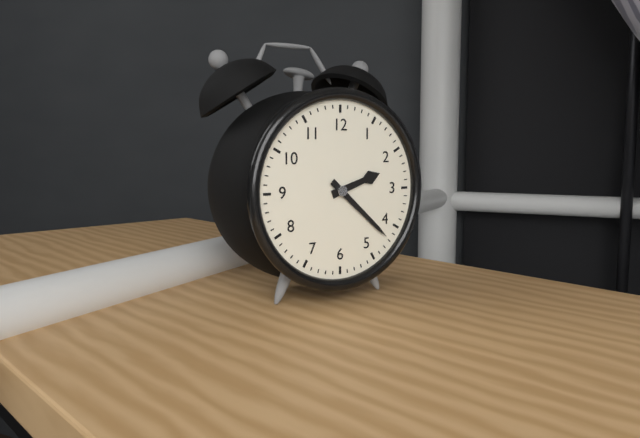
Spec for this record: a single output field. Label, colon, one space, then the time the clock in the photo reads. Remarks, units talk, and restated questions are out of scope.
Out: 2:22
